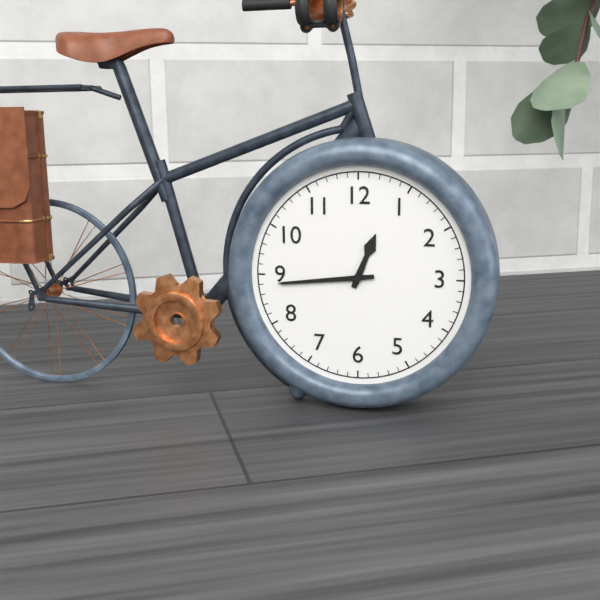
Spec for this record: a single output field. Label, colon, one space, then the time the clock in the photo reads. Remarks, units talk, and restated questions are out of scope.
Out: 12:44
